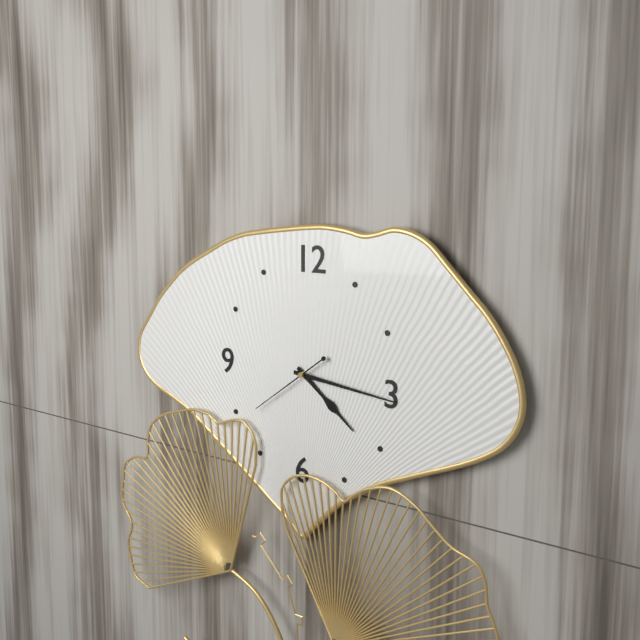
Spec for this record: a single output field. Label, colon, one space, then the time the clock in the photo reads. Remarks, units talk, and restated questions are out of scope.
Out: 4:16:39
